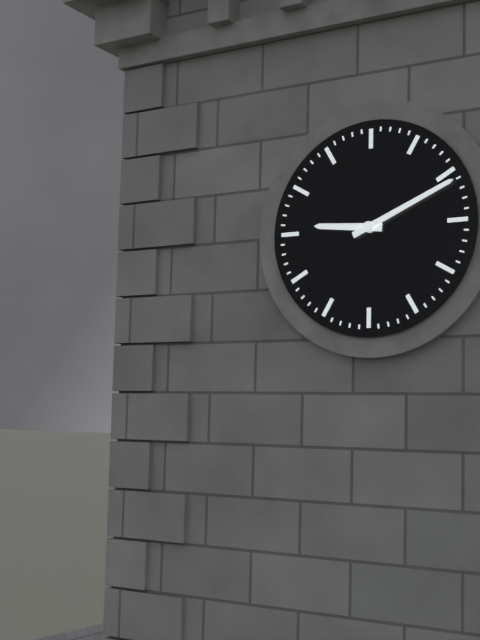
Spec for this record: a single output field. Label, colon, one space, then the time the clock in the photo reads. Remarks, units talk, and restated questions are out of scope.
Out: 9:11
